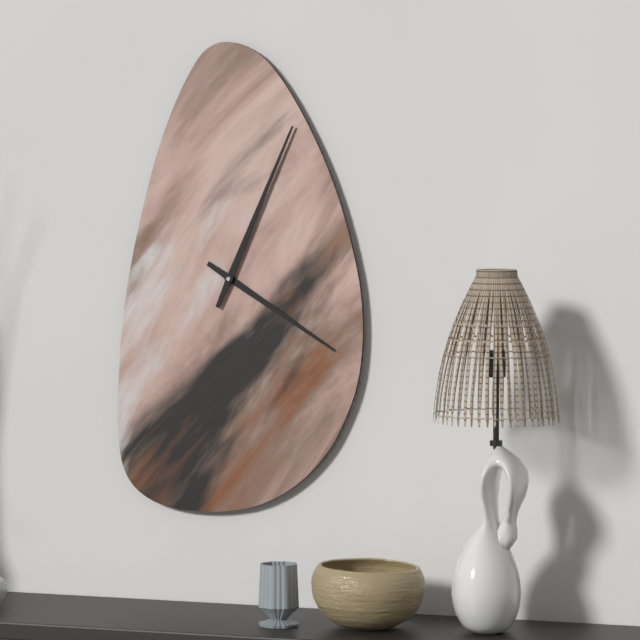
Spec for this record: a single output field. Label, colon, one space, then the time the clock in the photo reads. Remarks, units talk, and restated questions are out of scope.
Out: 4:04
